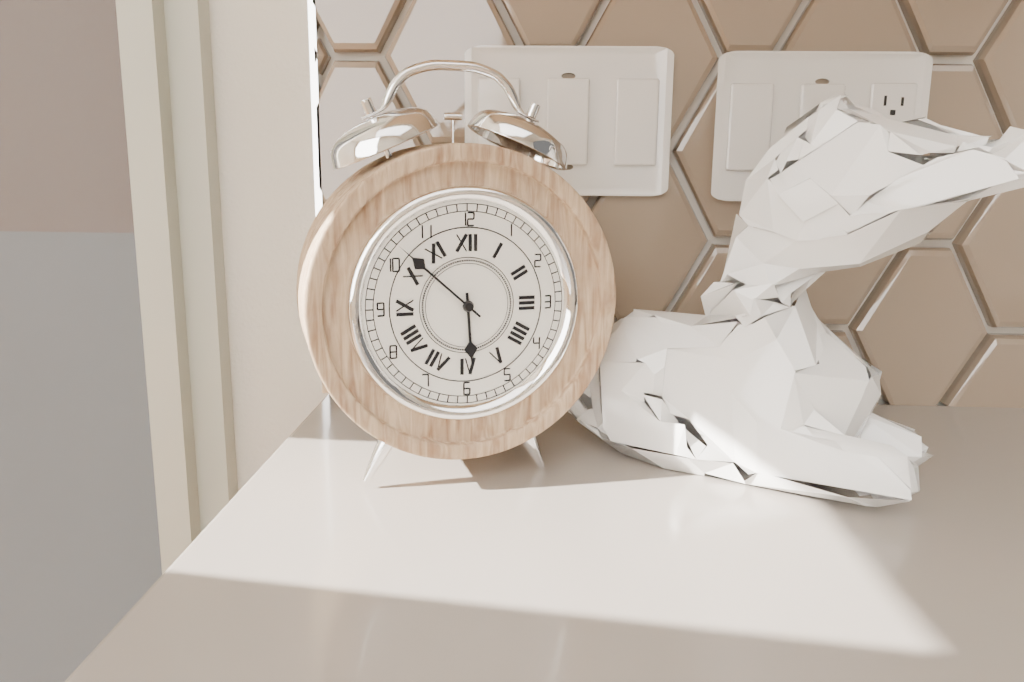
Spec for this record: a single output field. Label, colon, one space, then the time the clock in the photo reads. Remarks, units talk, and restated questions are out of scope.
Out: 5:52
